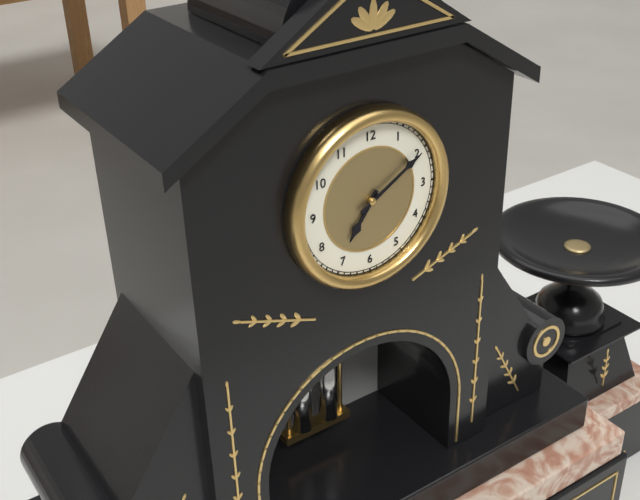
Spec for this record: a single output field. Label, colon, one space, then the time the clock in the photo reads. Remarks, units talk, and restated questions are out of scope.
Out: 7:10
